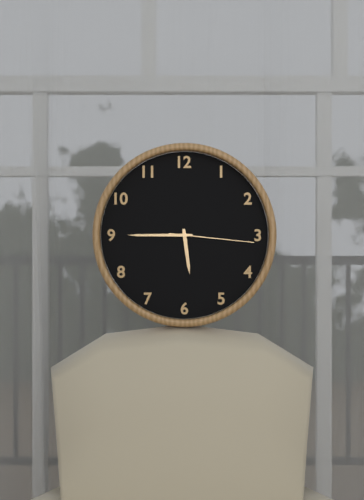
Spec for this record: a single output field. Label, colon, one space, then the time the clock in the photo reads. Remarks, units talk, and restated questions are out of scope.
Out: 5:45:16
